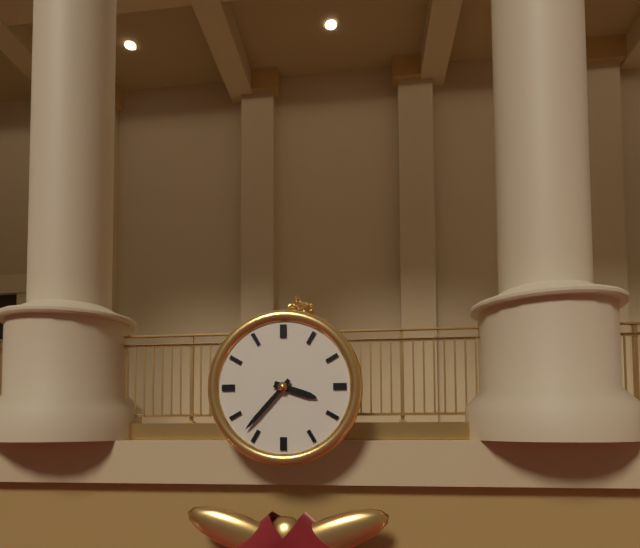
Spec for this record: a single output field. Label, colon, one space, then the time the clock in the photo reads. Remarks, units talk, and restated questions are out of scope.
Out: 3:37
